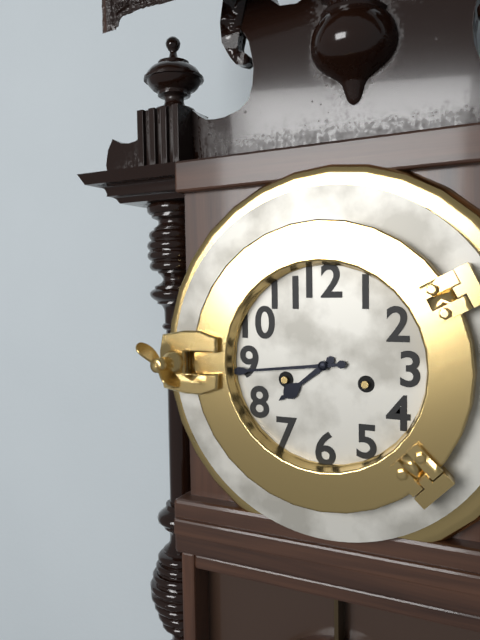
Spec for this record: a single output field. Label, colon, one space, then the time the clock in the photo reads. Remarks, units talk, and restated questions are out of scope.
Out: 7:44
